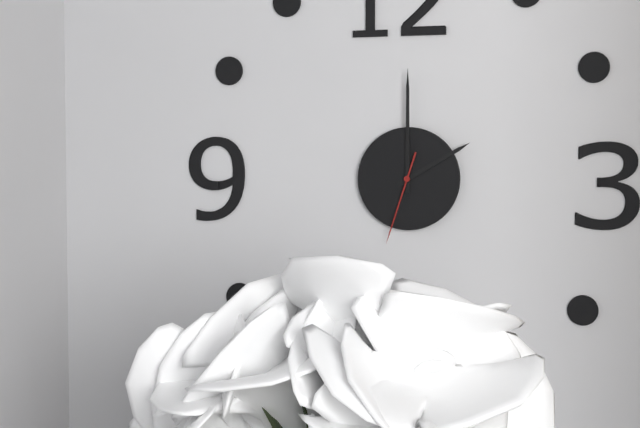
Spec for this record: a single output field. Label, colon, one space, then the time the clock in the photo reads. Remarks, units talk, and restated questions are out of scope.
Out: 2:00:33
